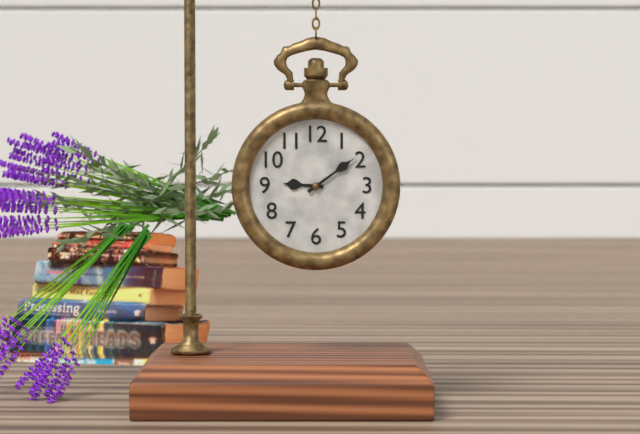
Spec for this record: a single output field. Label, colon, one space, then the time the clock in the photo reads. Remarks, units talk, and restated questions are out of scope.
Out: 9:09
